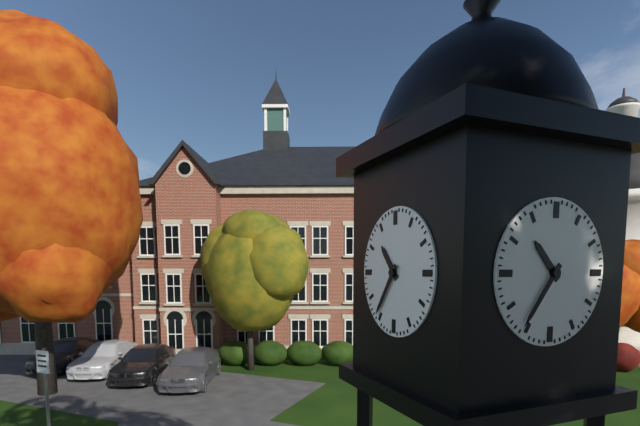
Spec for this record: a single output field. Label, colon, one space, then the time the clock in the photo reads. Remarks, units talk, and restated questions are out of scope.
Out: 10:36
